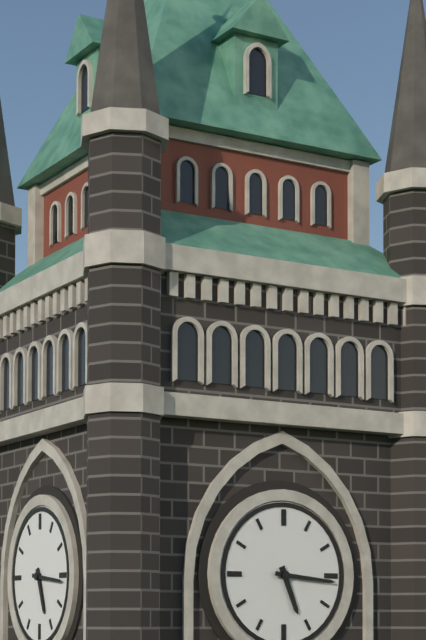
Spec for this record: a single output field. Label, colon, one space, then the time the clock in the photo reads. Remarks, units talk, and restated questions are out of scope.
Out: 5:16
